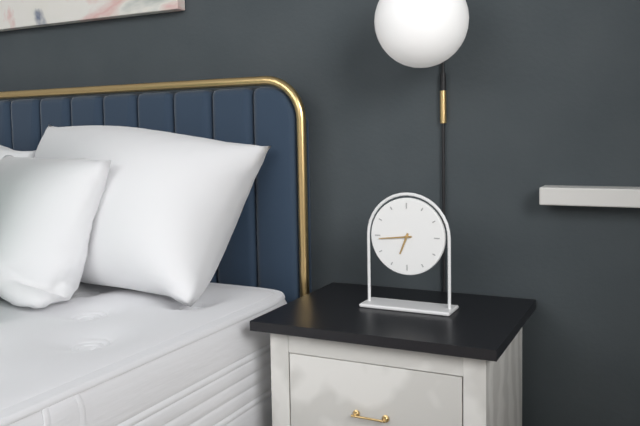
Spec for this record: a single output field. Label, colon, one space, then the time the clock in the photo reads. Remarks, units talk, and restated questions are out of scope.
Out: 6:44
